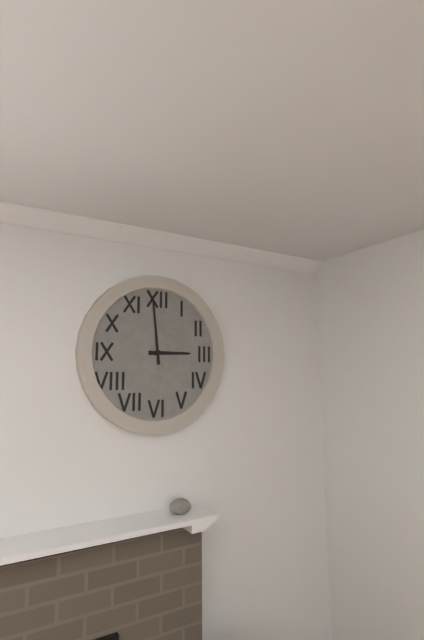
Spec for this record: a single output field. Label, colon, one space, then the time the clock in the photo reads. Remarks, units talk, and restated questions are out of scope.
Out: 2:59
